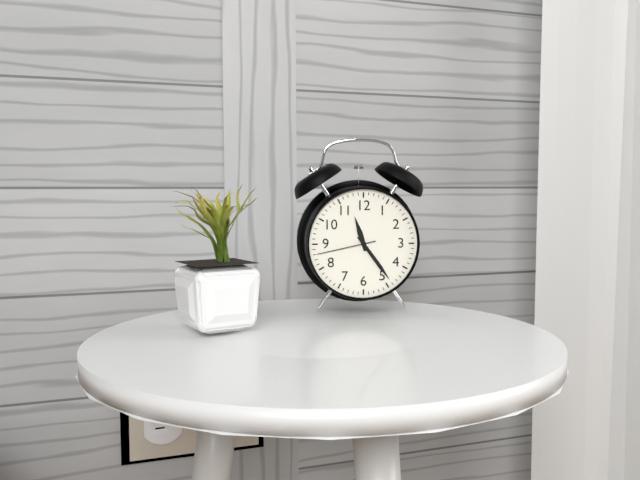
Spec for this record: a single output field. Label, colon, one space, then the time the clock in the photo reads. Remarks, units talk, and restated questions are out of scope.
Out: 11:24:43
